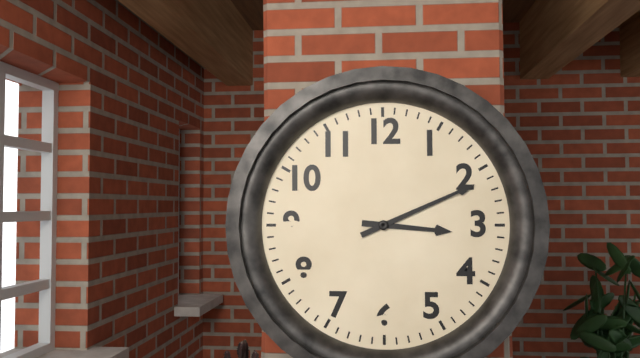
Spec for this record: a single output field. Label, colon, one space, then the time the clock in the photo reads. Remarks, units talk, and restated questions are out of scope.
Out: 3:11
